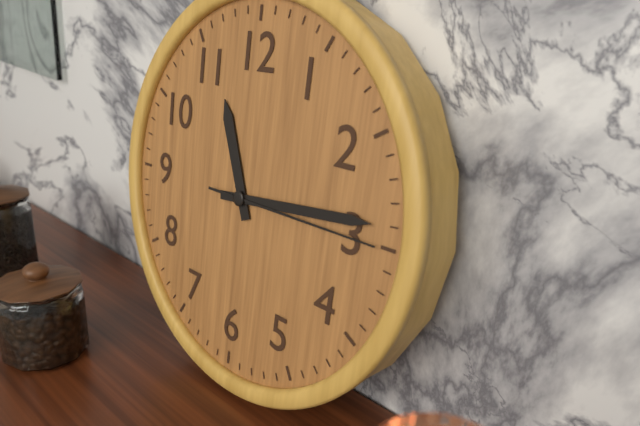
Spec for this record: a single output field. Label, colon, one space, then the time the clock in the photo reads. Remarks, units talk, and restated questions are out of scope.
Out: 11:14:15
